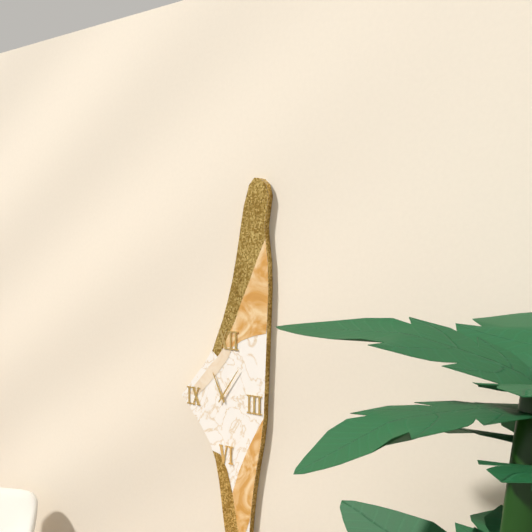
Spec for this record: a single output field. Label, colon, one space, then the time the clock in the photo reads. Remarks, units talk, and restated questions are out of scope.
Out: 11:06
